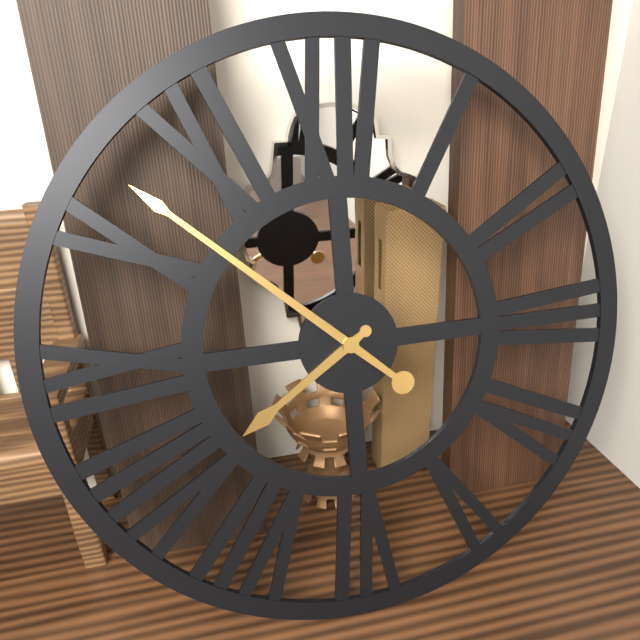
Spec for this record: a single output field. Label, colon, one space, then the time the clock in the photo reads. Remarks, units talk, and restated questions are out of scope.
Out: 7:52
